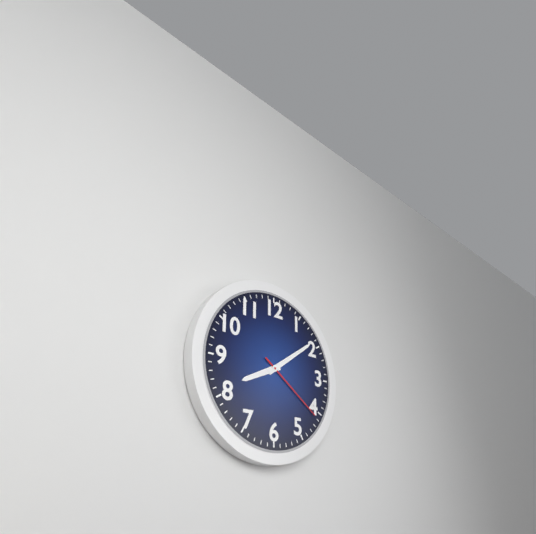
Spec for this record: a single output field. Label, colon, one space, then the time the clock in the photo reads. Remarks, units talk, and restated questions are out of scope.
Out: 8:09:21
